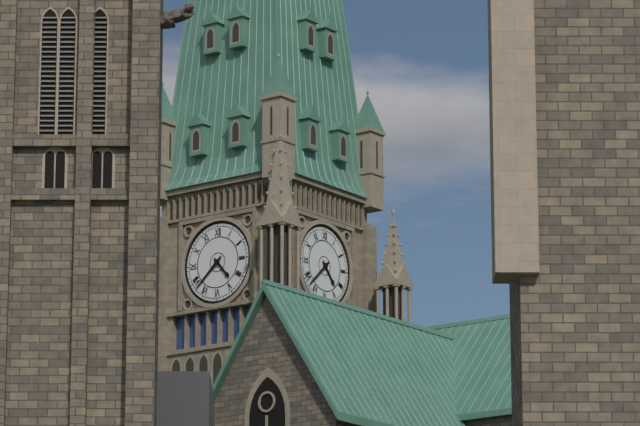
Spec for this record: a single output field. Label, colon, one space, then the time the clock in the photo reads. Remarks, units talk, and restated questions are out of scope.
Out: 4:38
